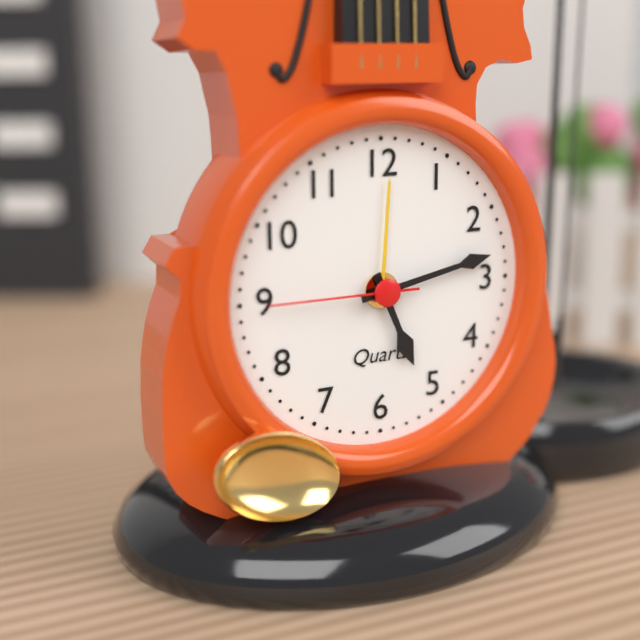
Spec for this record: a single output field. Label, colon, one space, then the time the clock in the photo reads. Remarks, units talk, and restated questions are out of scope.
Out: 5:13:45
